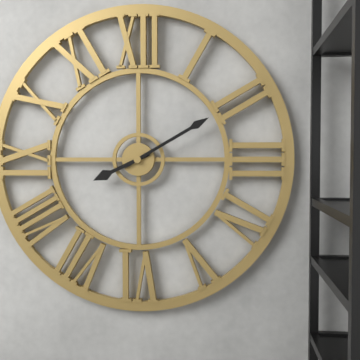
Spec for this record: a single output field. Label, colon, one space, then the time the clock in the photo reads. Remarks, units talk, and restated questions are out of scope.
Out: 8:10
